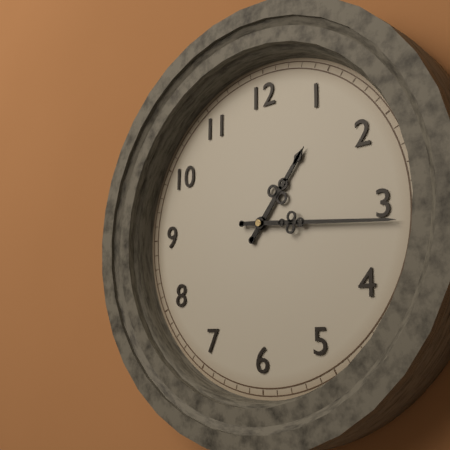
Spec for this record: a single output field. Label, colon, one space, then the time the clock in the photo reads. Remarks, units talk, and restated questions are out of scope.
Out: 1:16
